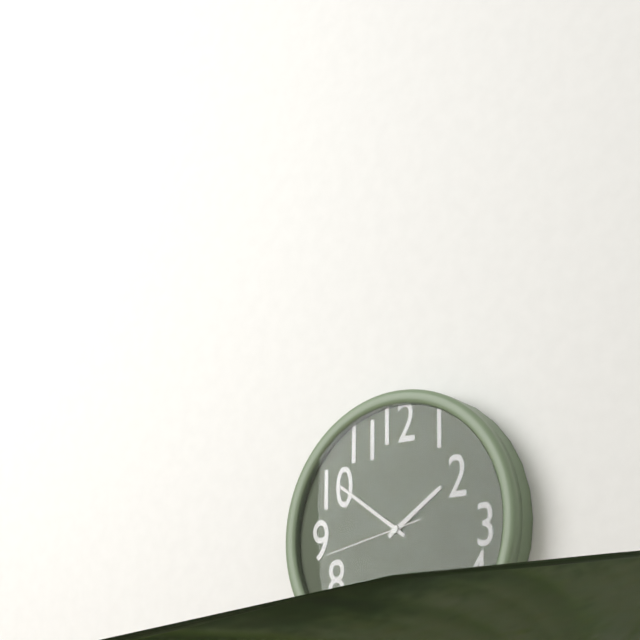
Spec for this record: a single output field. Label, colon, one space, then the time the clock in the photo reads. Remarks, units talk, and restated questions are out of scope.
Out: 1:51:43
